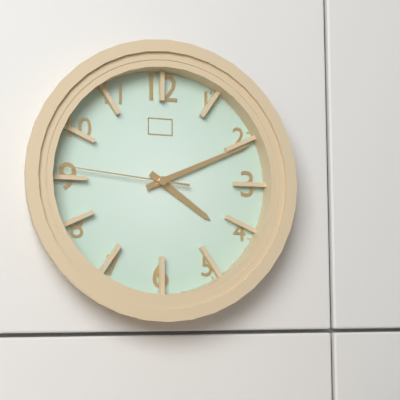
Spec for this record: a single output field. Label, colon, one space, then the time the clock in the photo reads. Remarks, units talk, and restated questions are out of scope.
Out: 4:11:46
